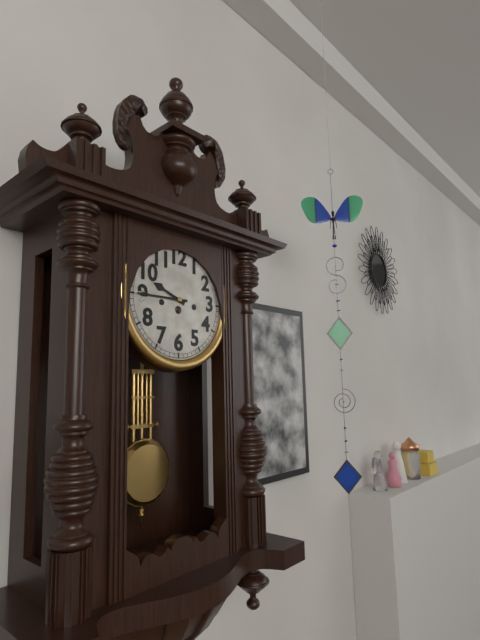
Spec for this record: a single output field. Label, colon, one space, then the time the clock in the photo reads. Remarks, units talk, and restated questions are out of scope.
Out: 9:45
